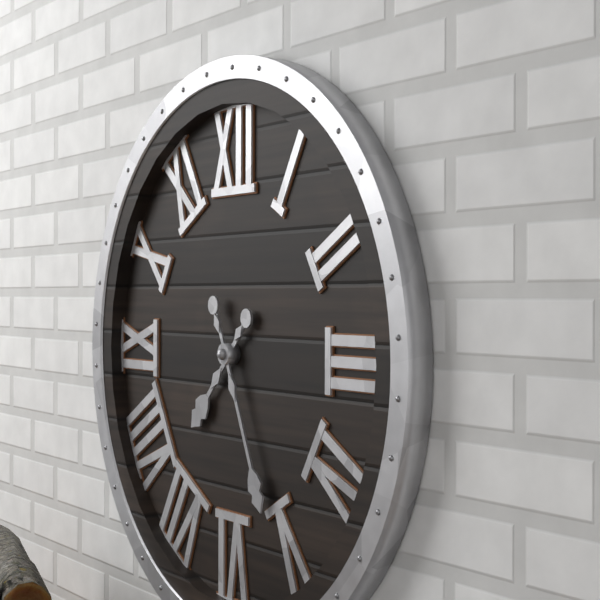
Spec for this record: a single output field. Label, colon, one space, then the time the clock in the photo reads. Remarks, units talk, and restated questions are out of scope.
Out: 7:26
